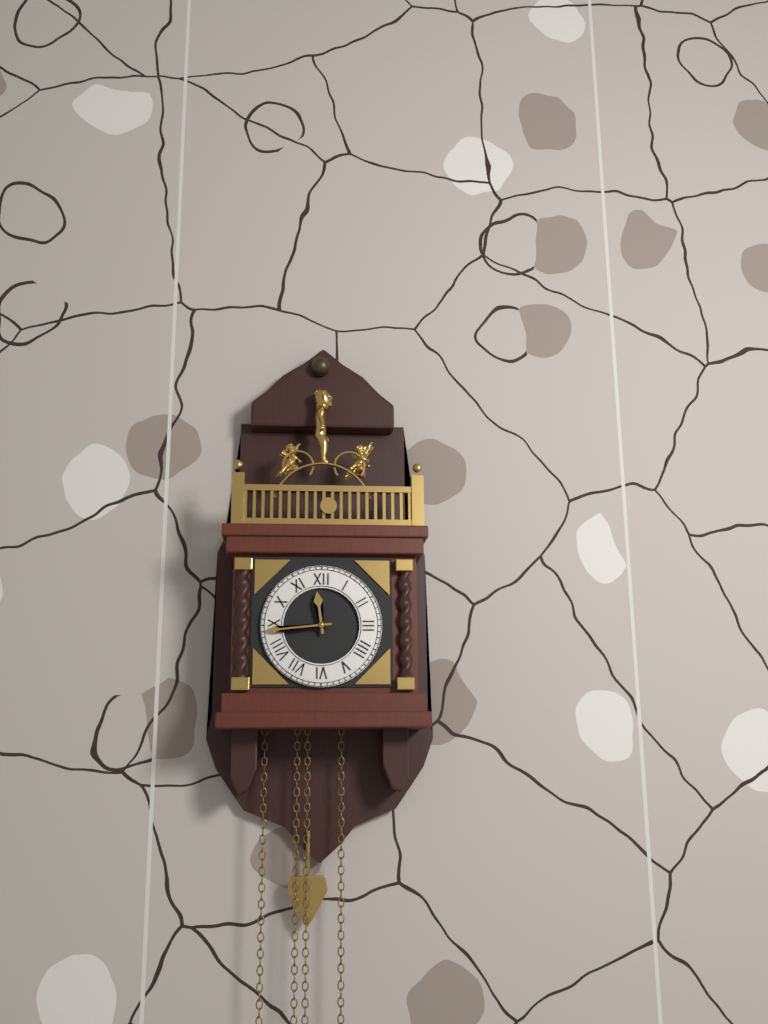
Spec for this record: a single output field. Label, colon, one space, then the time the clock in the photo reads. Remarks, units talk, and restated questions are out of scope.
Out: 11:44
